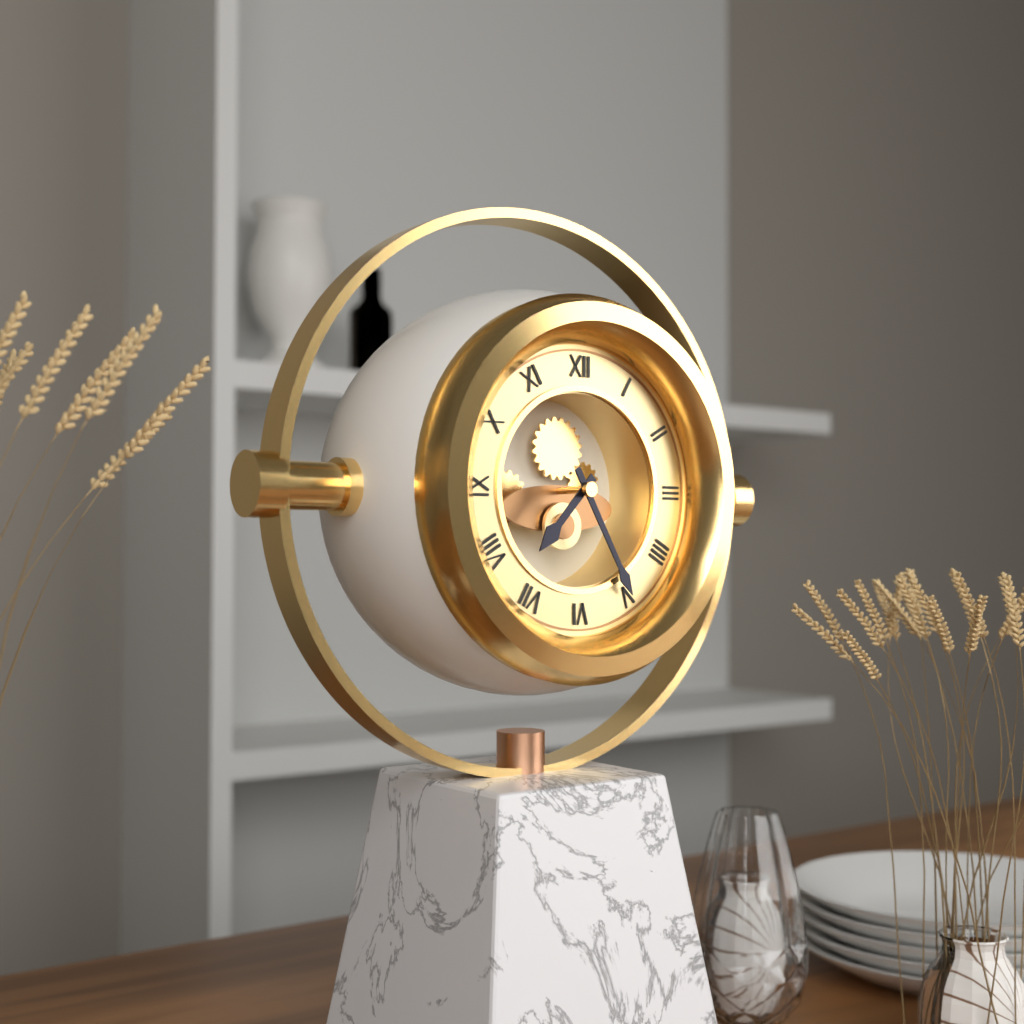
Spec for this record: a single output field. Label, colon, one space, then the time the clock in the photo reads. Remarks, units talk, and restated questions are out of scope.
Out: 7:25
